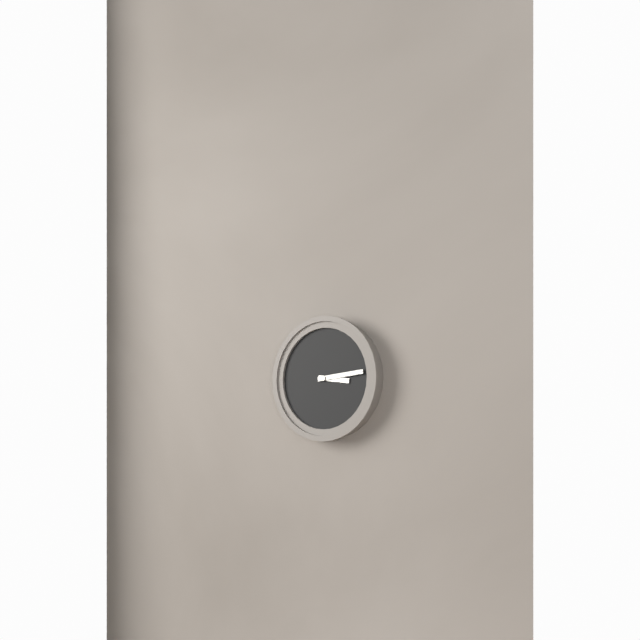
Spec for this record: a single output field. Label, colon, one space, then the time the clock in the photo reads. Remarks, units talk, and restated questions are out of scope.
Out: 3:14
